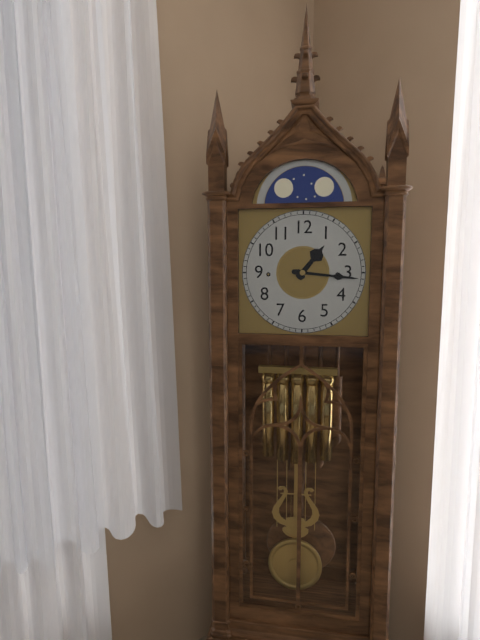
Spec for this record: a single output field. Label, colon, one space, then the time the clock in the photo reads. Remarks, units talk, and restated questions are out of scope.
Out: 1:16
